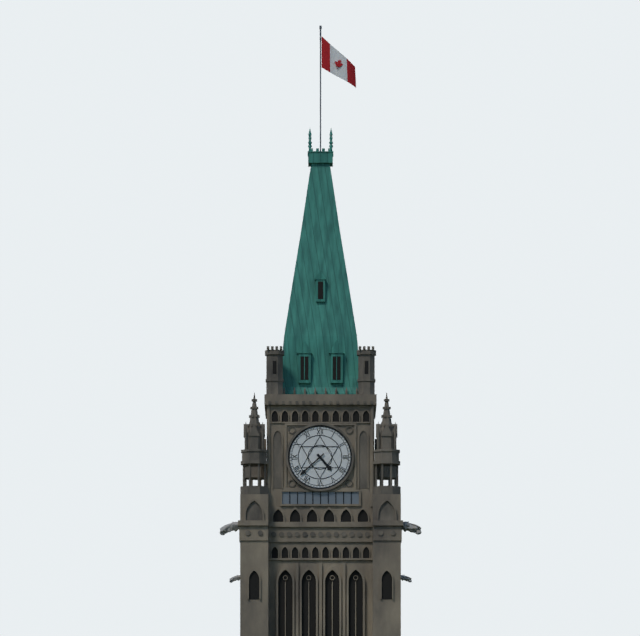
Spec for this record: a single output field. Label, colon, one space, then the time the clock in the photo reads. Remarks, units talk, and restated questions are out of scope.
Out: 4:38
